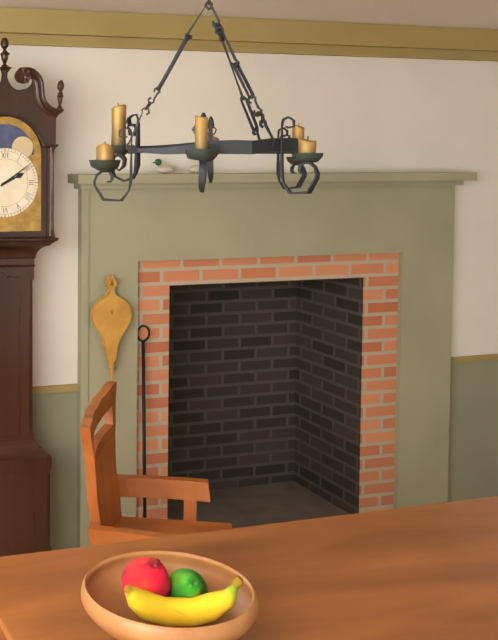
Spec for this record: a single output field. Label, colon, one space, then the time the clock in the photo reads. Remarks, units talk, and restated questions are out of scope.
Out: 2:09
